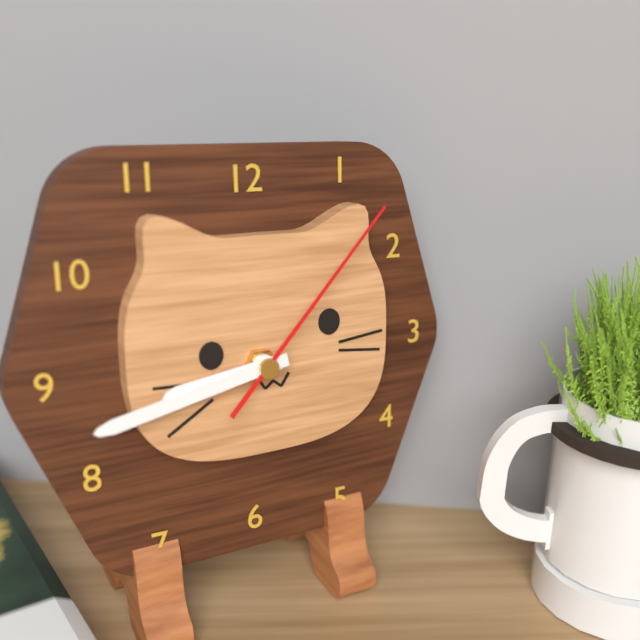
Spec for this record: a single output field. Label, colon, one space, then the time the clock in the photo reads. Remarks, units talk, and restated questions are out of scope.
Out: 8:43:07
